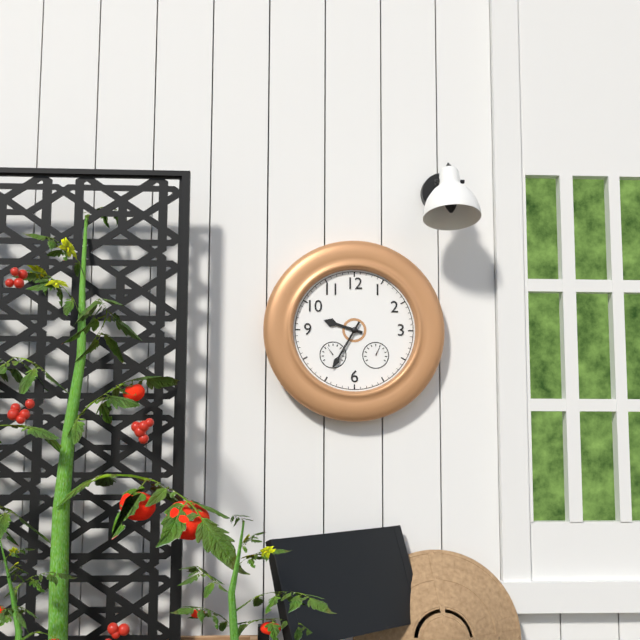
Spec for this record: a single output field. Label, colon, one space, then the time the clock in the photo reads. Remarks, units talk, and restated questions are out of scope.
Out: 9:35
